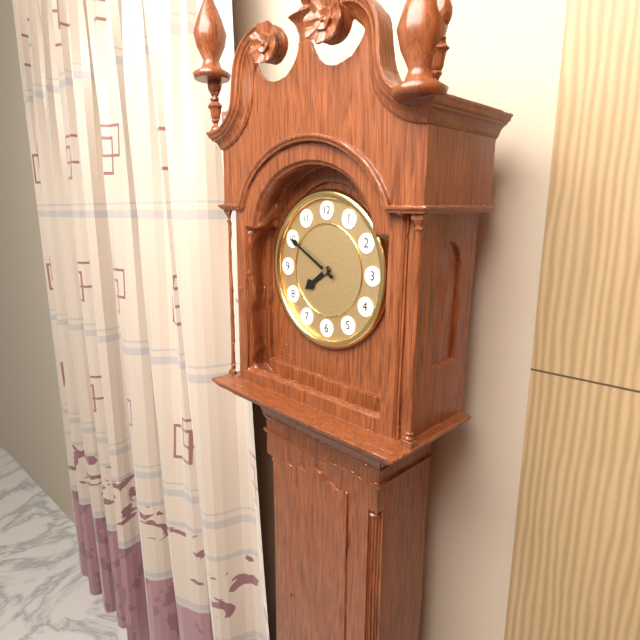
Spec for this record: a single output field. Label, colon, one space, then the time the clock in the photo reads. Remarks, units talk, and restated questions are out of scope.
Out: 7:50
